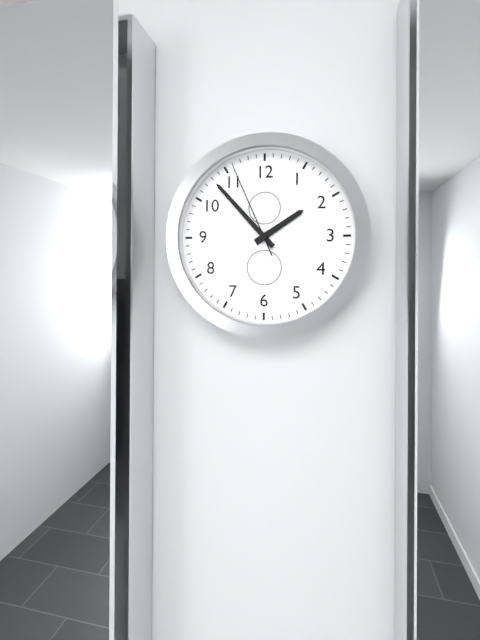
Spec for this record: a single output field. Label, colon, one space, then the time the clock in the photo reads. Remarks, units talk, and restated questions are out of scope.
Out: 1:53:56
